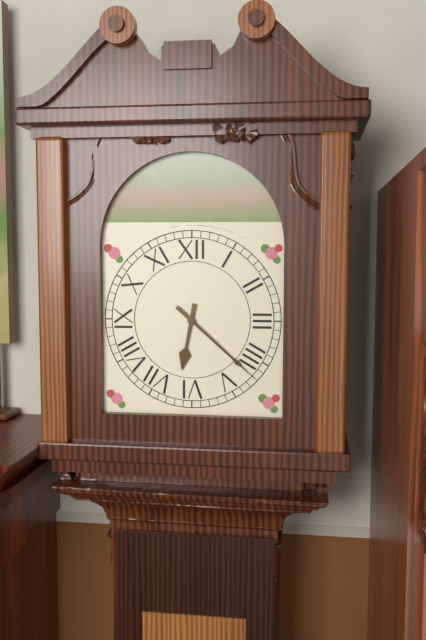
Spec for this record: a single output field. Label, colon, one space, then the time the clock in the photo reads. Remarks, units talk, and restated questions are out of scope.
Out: 6:22
